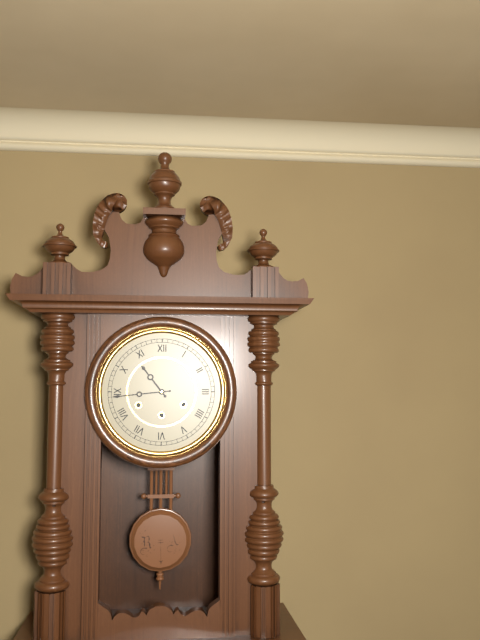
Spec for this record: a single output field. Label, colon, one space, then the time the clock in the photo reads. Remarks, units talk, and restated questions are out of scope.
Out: 10:44
